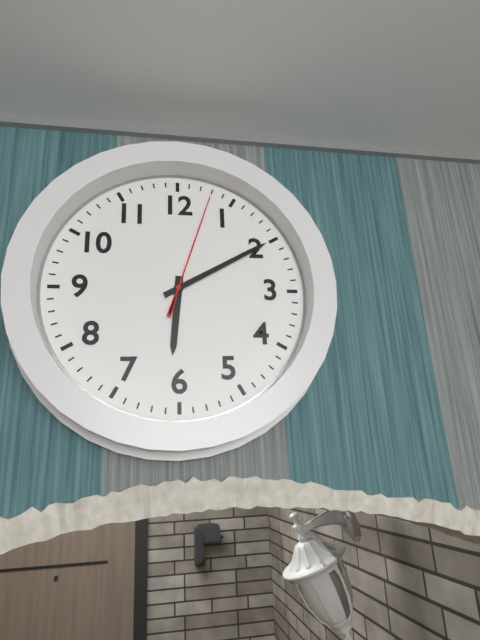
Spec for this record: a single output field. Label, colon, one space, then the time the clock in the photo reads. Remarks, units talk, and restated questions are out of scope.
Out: 6:10:03
